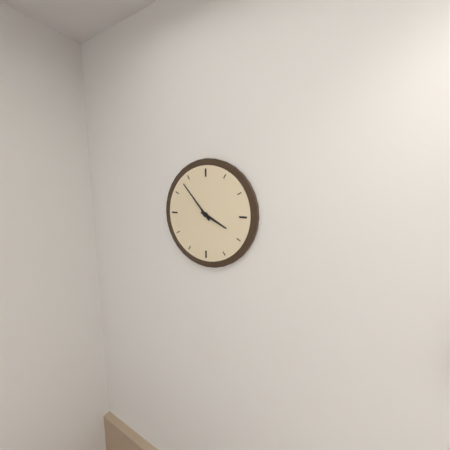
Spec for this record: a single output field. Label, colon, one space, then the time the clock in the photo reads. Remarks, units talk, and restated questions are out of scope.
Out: 3:53
